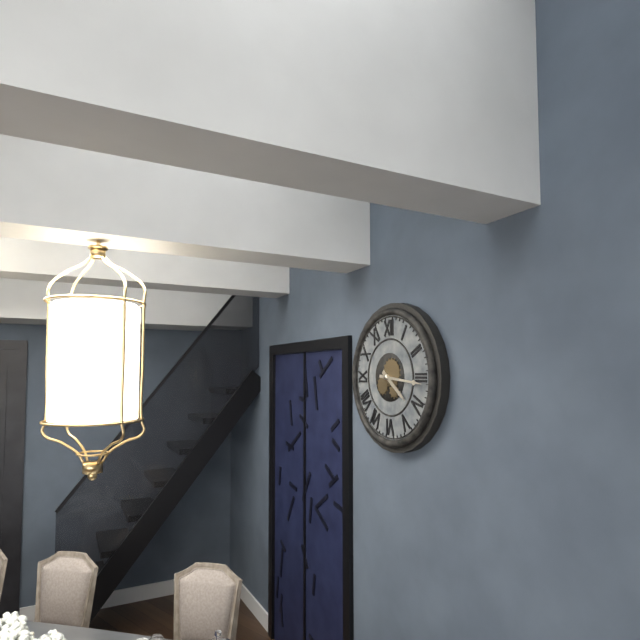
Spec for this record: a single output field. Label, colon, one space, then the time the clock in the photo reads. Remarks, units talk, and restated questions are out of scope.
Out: 4:16
